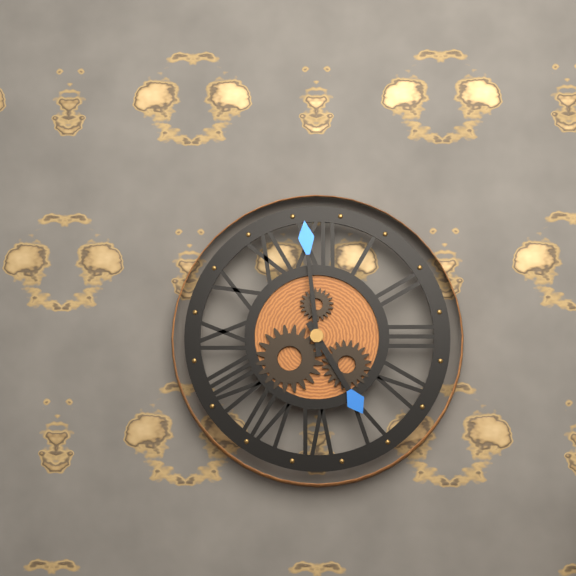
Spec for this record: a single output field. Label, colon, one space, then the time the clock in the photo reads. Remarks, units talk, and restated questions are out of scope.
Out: 4:59
